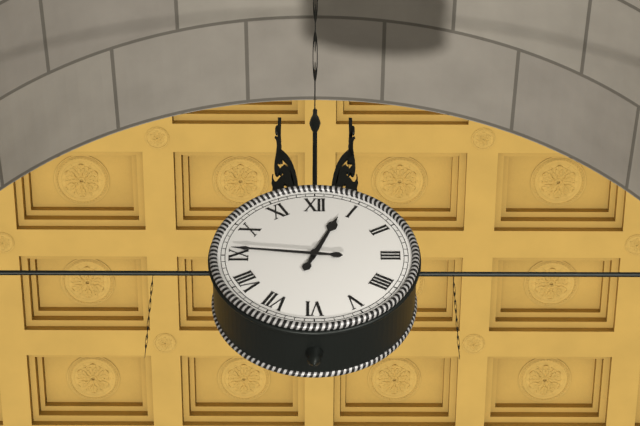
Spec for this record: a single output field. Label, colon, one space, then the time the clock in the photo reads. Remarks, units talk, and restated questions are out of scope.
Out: 12:46
